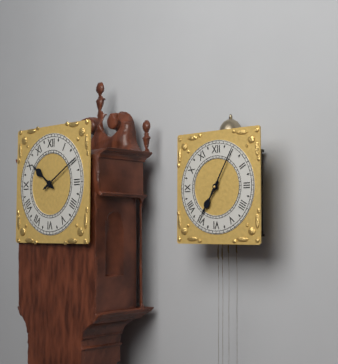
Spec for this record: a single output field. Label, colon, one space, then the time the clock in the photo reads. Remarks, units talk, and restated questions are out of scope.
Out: 7:05
